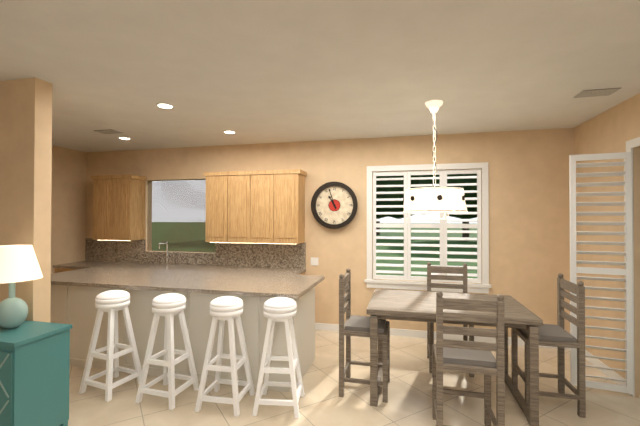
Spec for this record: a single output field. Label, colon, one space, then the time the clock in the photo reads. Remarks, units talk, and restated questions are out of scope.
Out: 10:57
